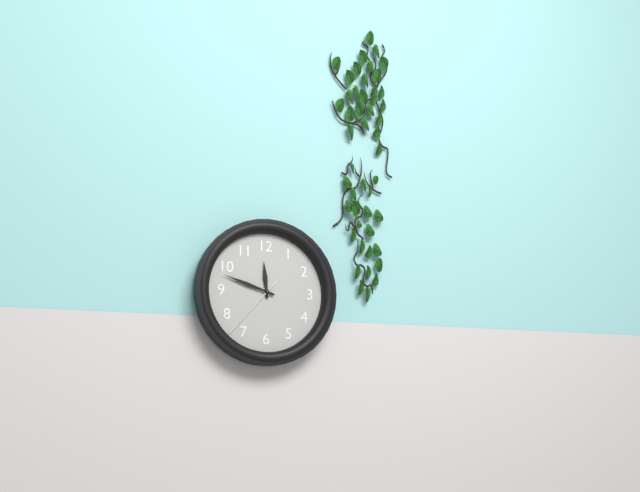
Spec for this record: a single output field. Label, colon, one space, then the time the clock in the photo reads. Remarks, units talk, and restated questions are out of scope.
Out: 11:48:37
